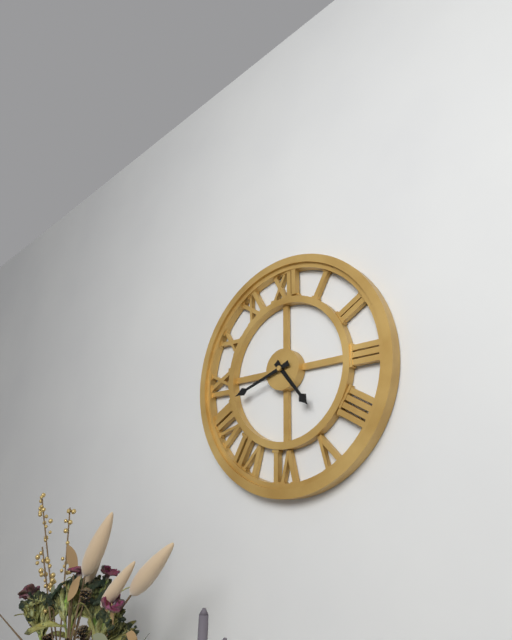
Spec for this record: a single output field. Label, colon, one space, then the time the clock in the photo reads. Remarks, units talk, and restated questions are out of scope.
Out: 4:42
